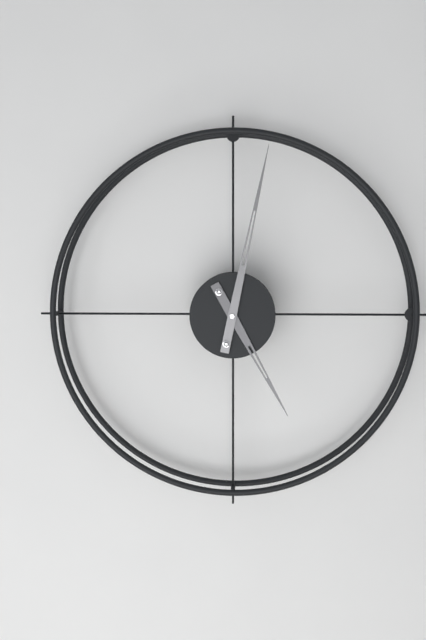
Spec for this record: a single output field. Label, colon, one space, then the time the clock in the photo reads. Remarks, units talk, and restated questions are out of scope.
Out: 5:02
